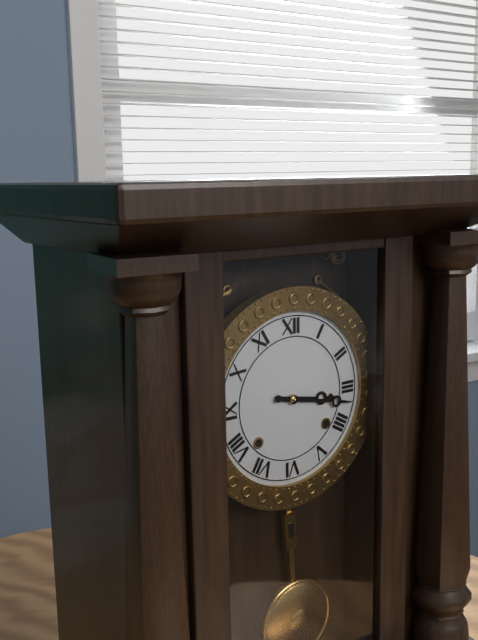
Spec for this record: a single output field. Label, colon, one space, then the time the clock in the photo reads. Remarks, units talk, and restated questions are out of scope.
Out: 3:17
